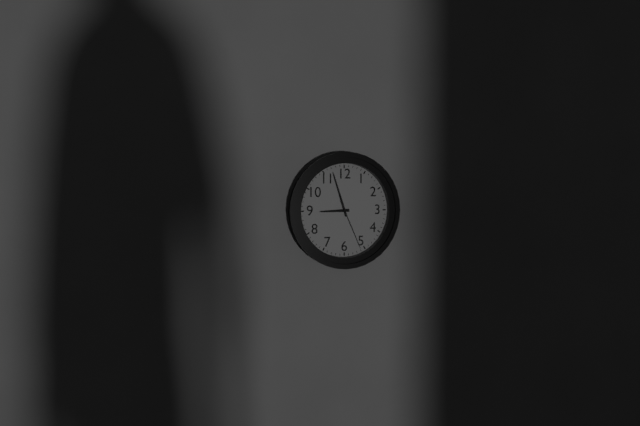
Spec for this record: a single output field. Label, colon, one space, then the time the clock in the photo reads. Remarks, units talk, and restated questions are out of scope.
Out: 8:57:26
